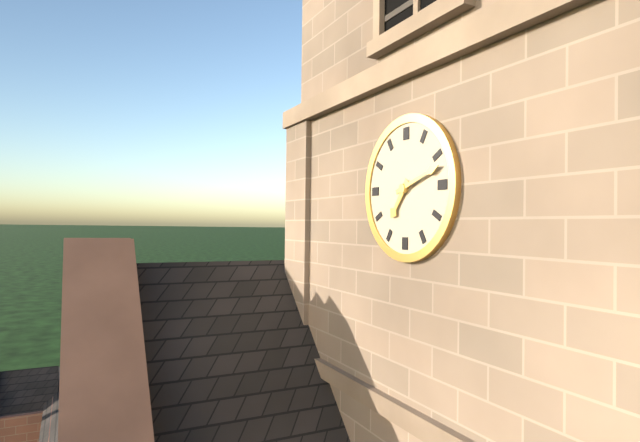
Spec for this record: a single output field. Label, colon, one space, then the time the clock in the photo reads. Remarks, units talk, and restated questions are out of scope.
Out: 7:12
